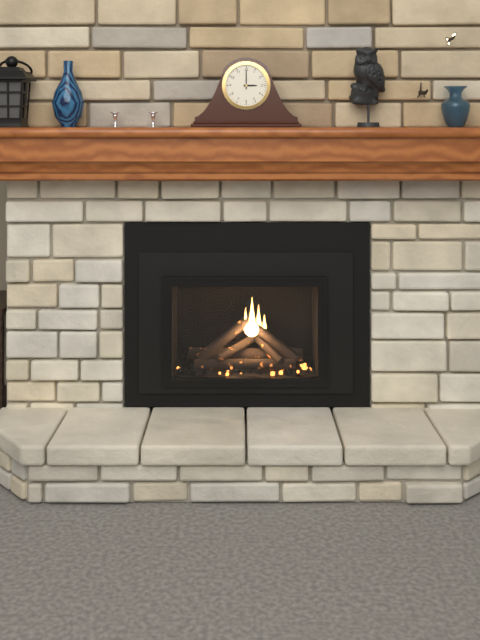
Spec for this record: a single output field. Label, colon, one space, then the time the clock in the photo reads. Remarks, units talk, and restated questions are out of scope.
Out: 3:00
